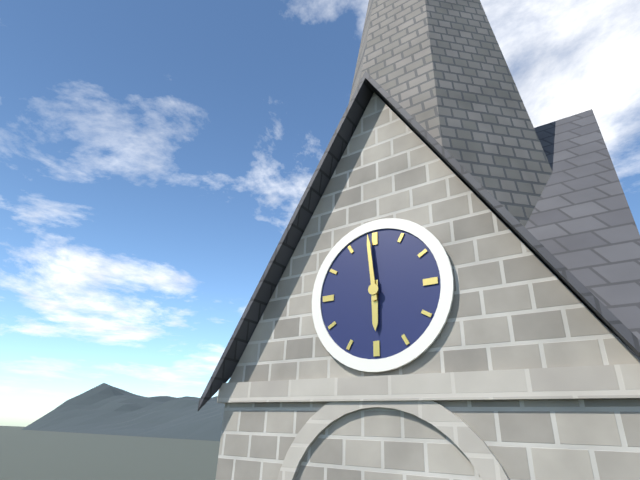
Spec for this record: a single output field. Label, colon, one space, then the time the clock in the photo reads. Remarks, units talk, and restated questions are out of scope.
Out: 5:59
